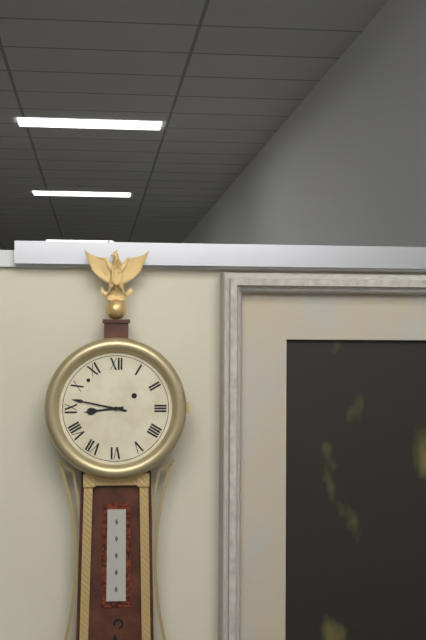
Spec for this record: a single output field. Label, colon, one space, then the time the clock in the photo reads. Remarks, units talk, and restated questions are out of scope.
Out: 8:47
